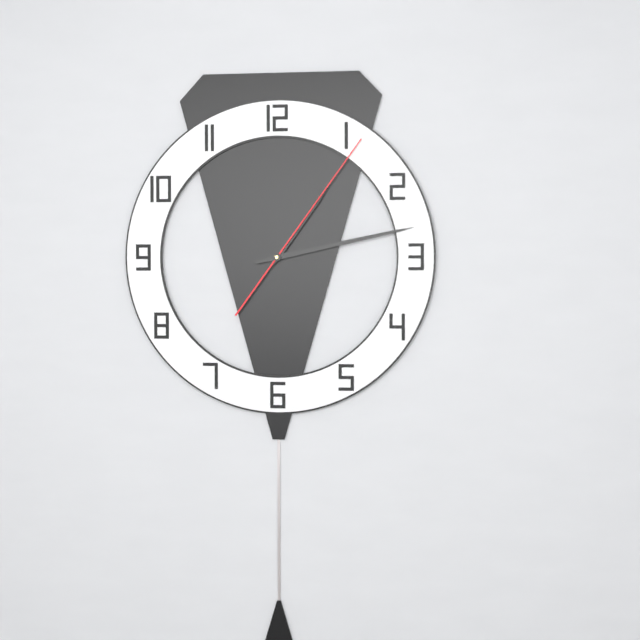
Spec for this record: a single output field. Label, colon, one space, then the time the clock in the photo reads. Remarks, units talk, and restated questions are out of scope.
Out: 1:13:06
